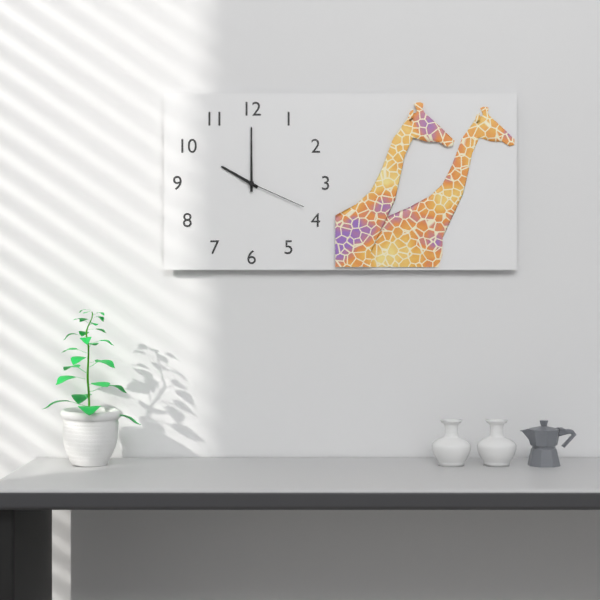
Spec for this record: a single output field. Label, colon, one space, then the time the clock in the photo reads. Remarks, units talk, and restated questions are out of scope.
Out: 10:00:19
